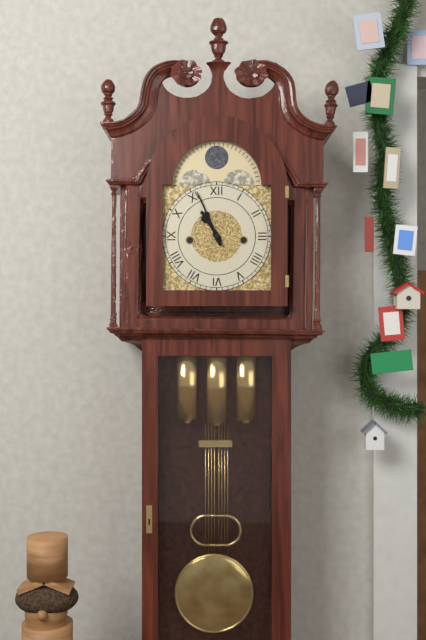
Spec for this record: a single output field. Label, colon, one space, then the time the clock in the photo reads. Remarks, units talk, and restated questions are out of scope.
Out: 10:56
